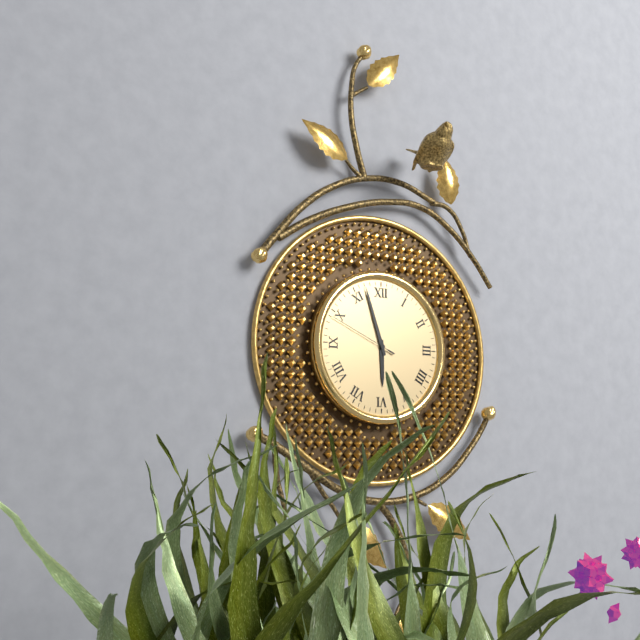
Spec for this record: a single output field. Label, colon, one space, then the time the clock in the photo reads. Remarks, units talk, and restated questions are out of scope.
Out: 5:57:49
